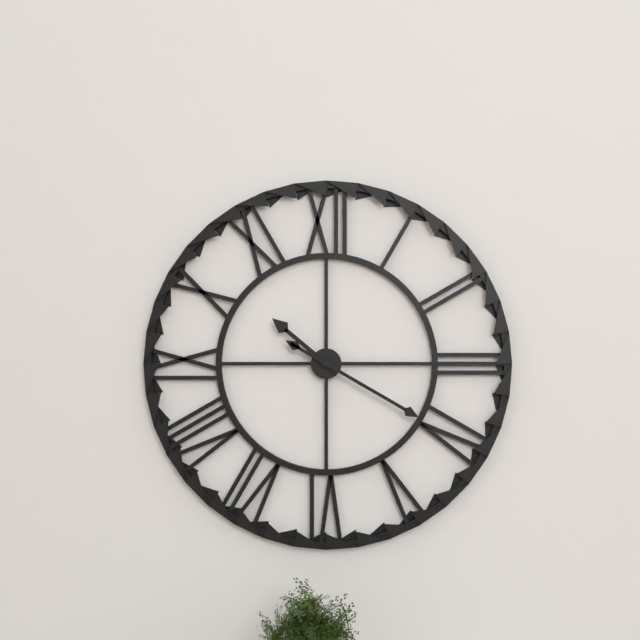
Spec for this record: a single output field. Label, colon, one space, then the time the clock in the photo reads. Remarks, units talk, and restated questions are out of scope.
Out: 10:20
